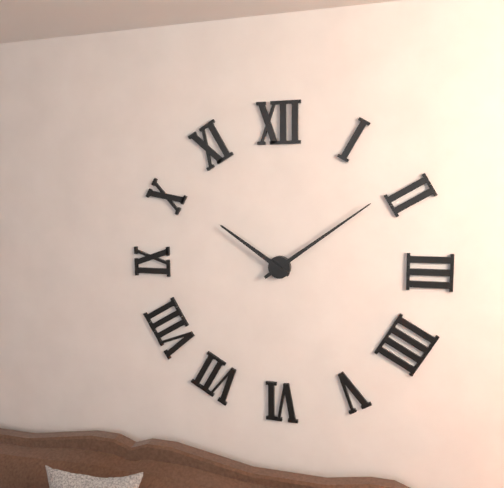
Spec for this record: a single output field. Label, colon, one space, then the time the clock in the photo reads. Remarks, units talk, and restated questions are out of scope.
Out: 10:09
